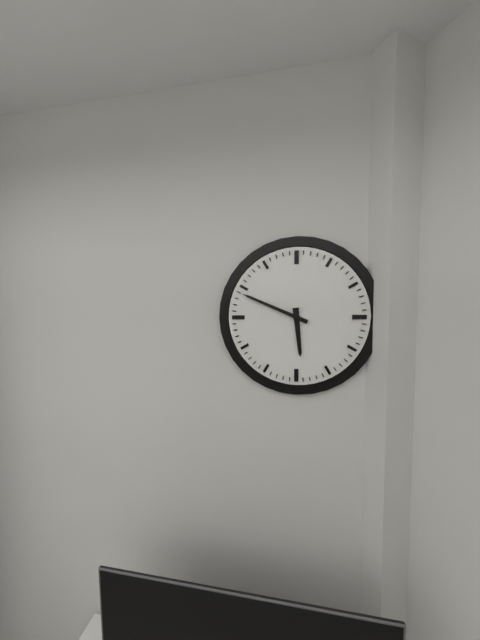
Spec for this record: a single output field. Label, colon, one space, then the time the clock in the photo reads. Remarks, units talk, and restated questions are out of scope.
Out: 5:49
